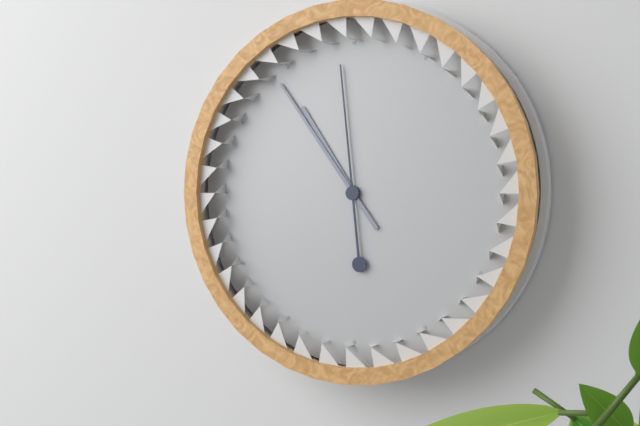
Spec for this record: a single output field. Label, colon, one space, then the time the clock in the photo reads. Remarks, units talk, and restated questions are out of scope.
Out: 10:54:59
